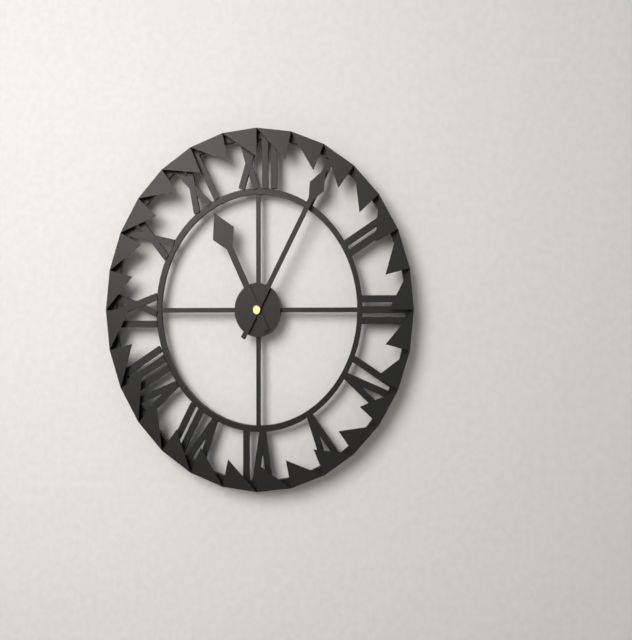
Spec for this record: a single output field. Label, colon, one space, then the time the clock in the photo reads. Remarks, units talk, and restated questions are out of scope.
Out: 11:05
